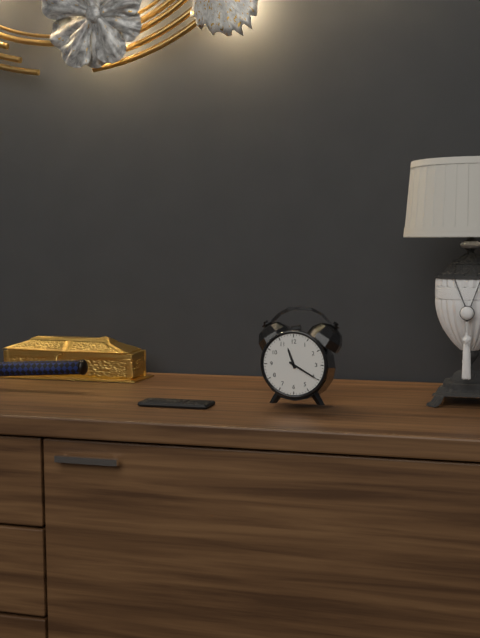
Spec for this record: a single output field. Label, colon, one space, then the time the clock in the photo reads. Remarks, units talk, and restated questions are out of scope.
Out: 11:20
